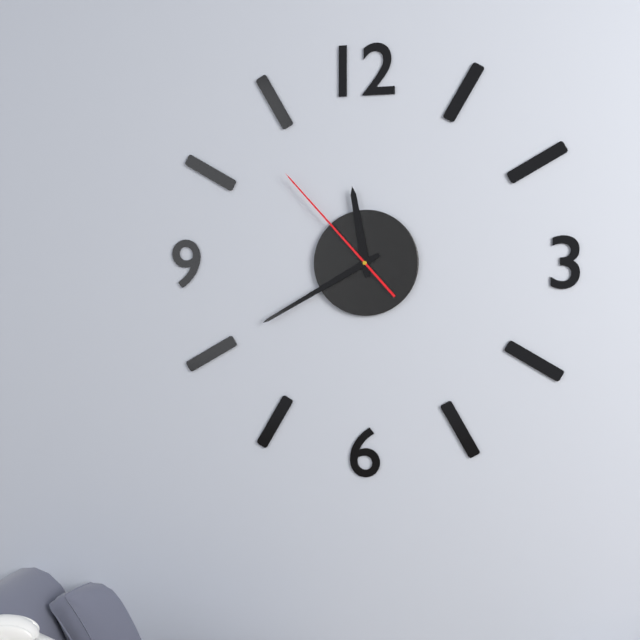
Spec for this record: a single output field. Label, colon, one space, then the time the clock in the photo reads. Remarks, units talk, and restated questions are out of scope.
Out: 11:40:53
